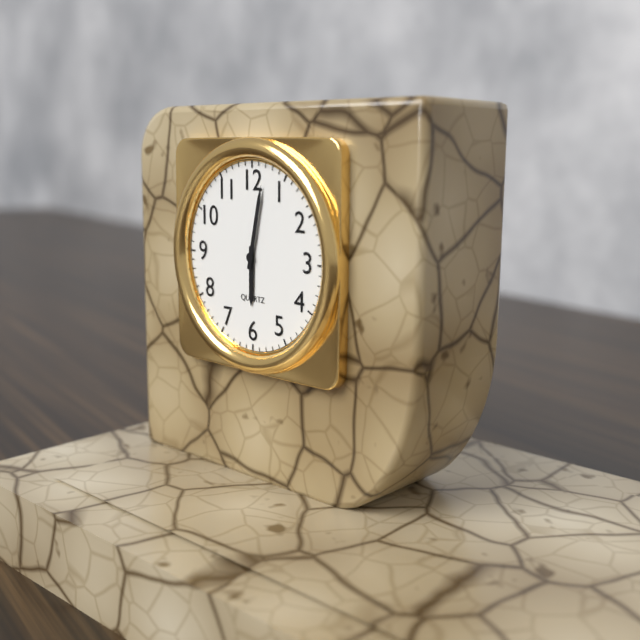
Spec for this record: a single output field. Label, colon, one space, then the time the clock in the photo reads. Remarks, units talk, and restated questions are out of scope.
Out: 6:02
